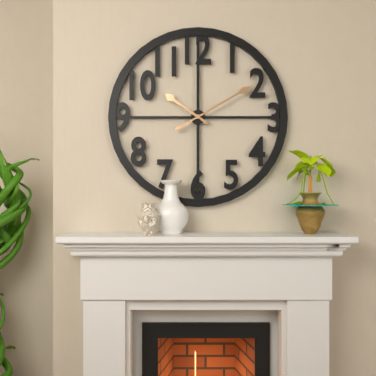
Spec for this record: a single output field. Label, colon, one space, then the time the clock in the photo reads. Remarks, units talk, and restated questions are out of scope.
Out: 10:10
